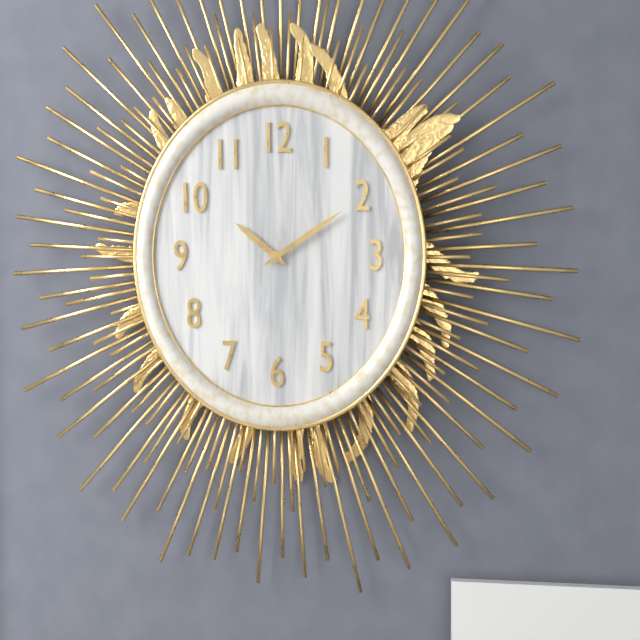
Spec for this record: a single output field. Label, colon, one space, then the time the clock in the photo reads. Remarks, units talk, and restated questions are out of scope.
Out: 10:10
